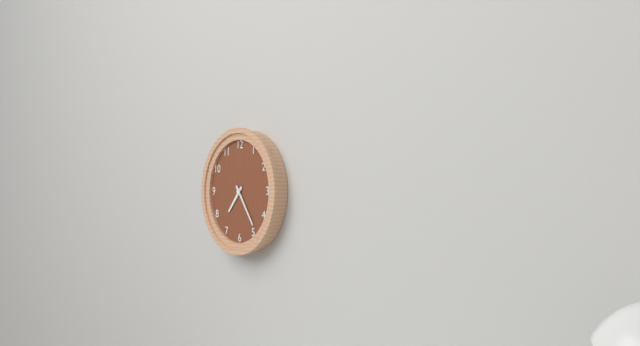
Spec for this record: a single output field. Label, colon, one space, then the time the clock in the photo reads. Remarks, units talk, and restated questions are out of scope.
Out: 7:24
